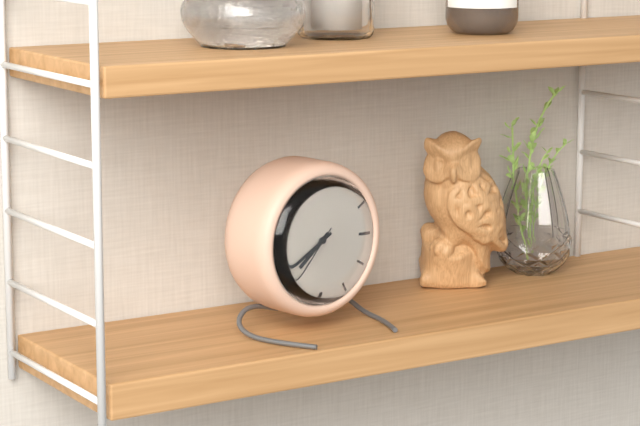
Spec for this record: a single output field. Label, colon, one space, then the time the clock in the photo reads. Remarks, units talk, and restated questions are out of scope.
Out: 7:40:37
